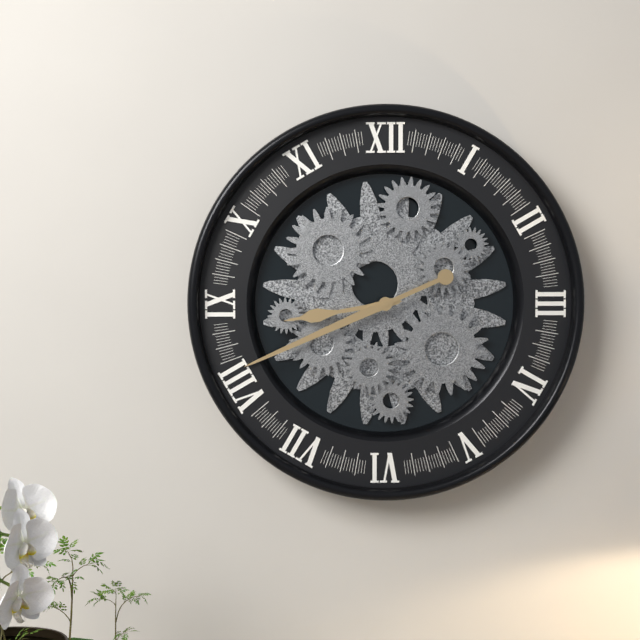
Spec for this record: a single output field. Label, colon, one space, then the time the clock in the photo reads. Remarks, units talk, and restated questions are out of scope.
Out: 8:41
